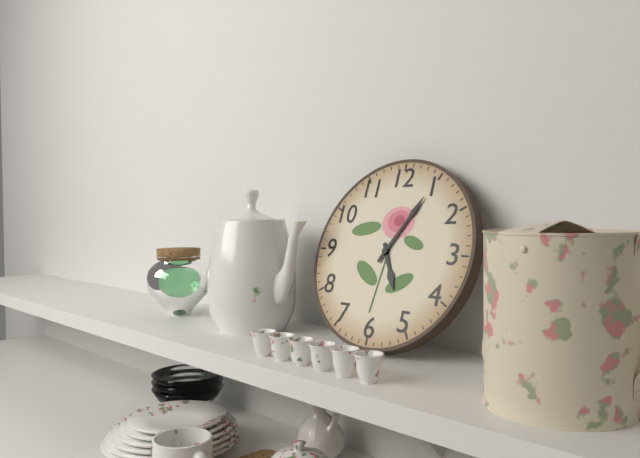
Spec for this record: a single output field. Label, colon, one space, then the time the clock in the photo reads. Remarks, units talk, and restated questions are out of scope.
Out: 5:05
